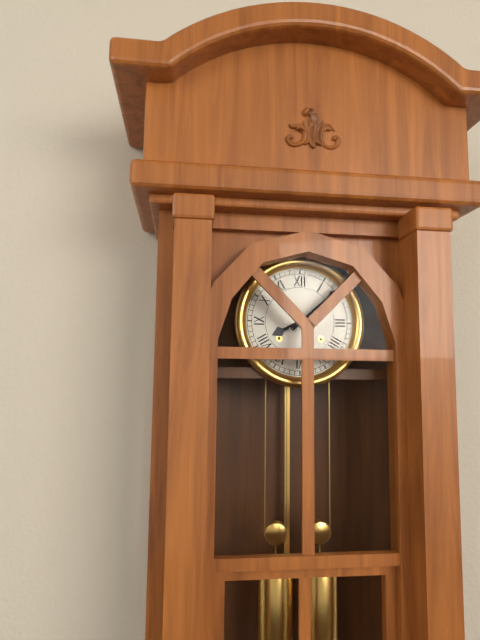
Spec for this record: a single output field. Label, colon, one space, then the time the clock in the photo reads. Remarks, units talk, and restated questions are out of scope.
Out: 8:08
